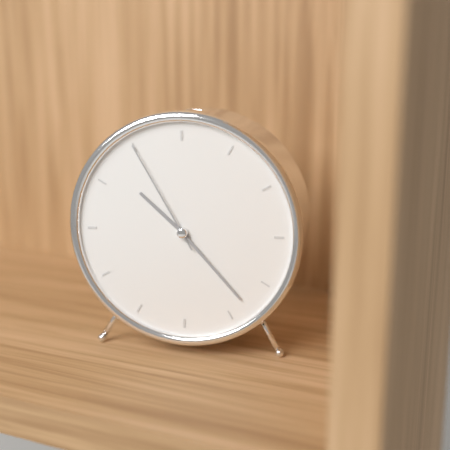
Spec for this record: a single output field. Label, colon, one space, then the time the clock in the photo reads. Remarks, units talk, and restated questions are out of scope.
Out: 10:23:55
